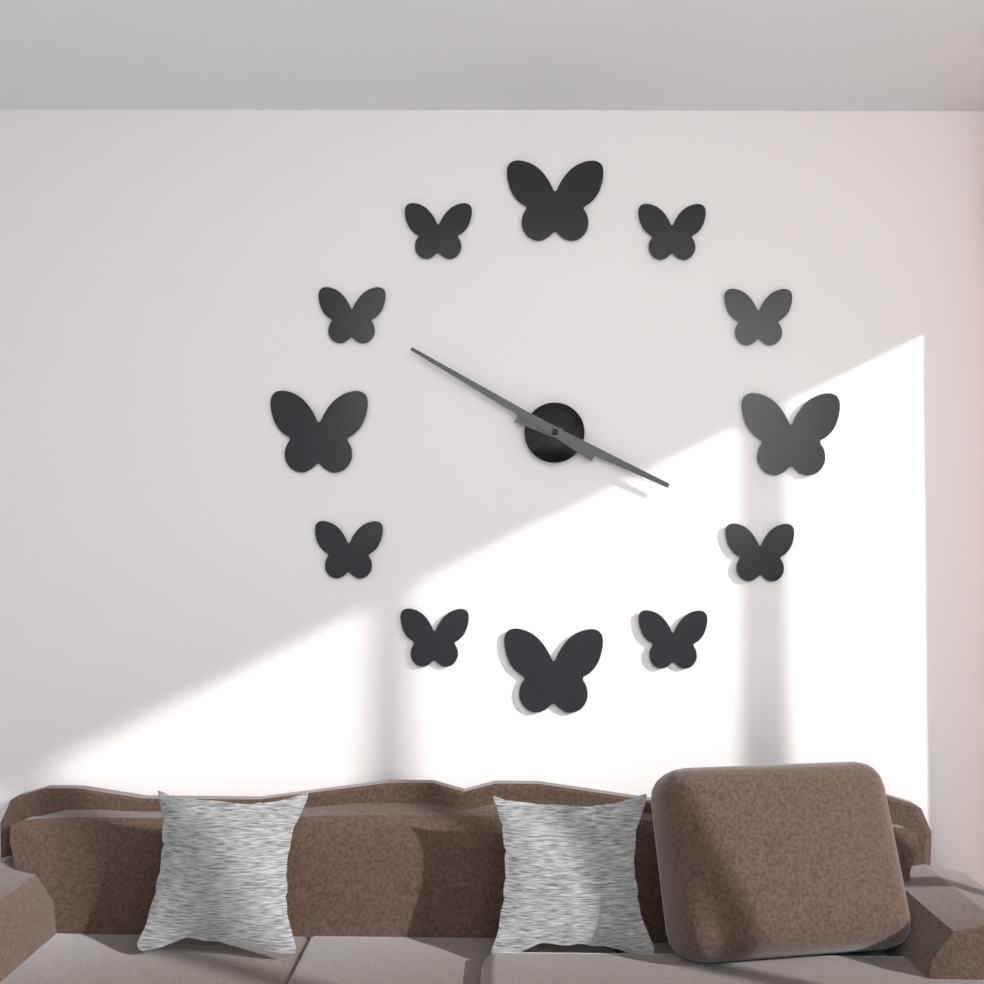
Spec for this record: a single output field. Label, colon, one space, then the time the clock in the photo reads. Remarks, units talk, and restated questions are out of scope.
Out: 3:50
